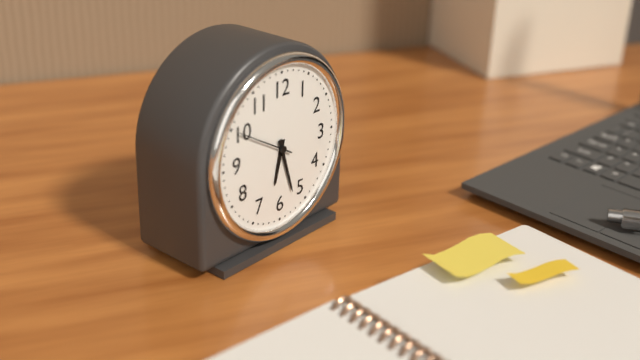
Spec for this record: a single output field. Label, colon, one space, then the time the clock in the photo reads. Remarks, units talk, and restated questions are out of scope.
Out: 6:27
